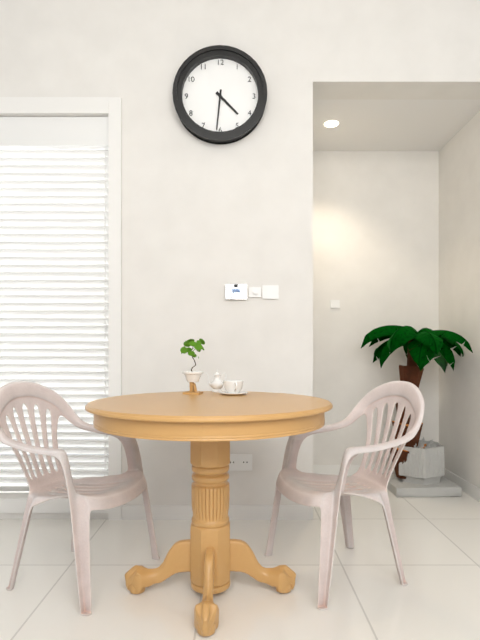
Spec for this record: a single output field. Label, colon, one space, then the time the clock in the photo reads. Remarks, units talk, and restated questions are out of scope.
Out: 4:31
